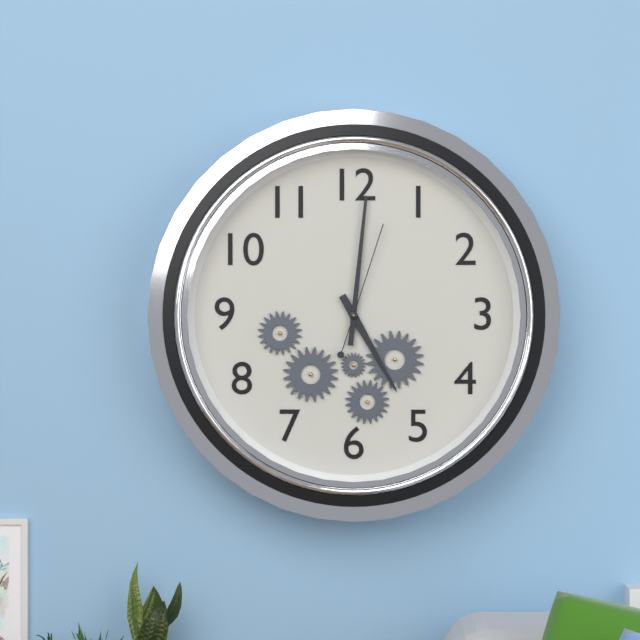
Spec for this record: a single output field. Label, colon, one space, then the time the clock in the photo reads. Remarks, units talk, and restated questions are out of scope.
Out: 5:01:03
